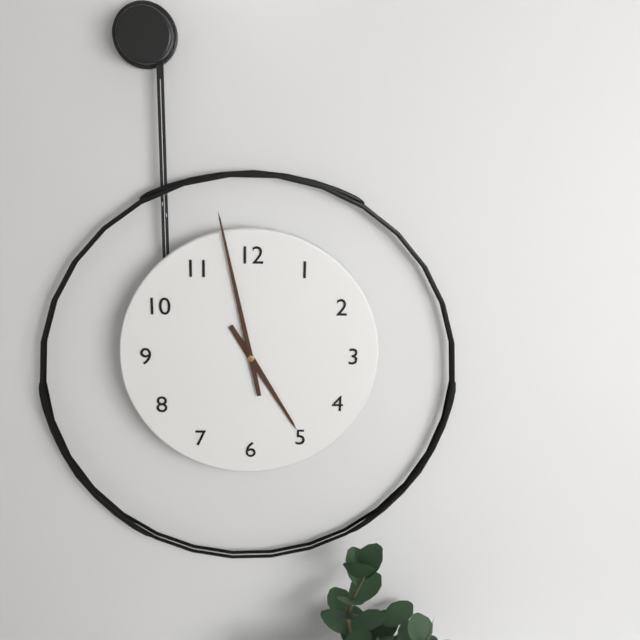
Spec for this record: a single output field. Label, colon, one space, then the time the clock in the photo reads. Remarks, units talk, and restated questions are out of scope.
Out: 4:58
